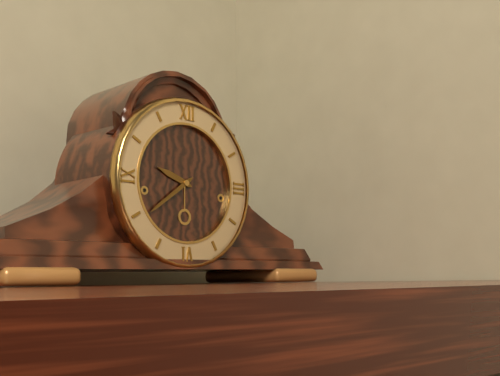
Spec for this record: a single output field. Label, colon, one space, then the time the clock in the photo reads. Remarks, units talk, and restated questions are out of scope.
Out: 9:39
